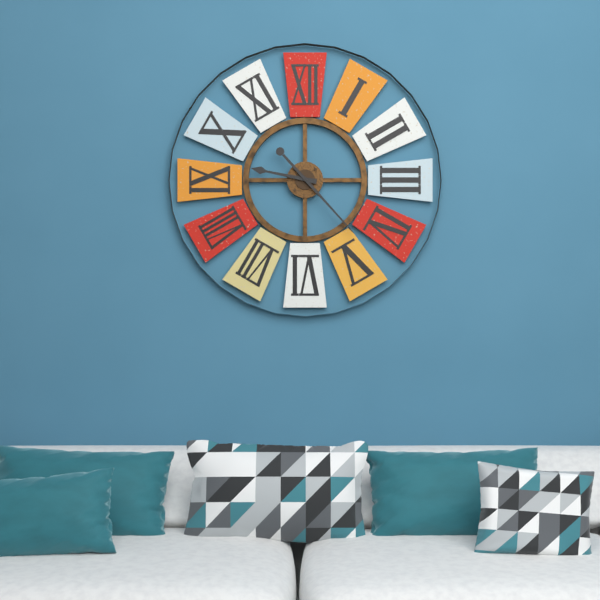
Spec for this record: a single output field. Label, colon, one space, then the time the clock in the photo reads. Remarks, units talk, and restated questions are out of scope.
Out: 9:23
